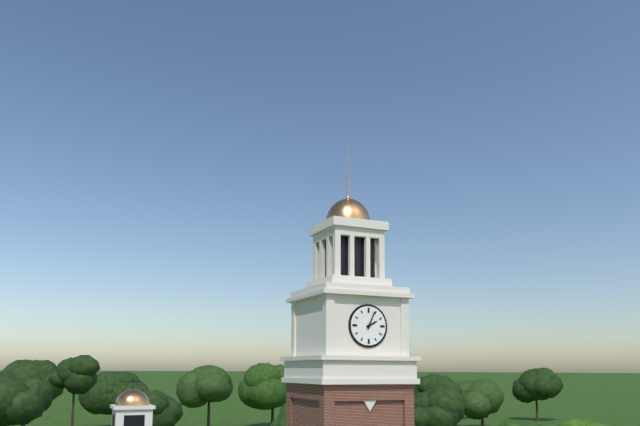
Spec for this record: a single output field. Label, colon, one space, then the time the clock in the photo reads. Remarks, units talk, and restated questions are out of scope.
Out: 2:04
